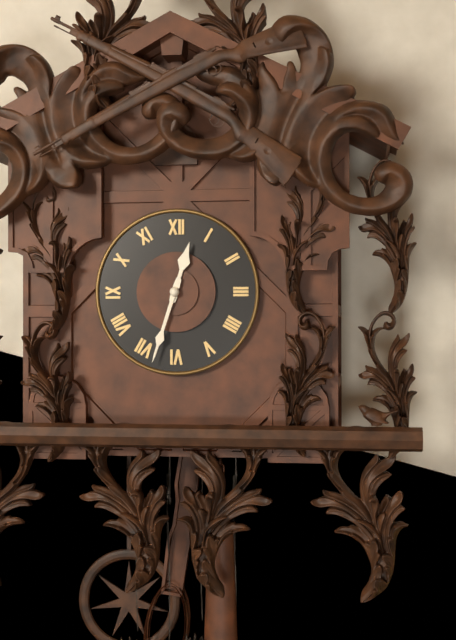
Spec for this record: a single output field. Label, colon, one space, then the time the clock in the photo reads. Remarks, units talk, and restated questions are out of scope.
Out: 12:33
